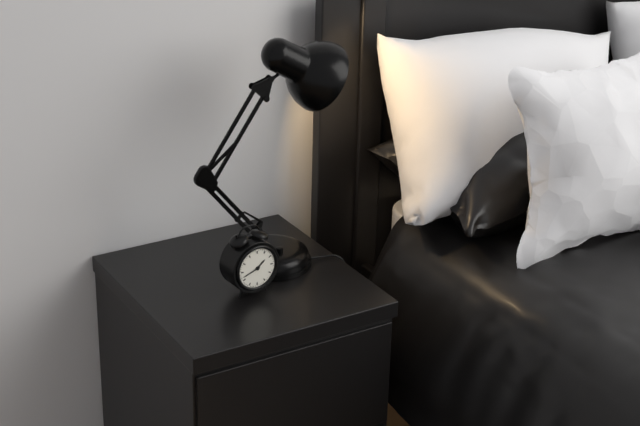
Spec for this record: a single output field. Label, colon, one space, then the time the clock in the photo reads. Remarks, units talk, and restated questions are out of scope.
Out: 1:42
